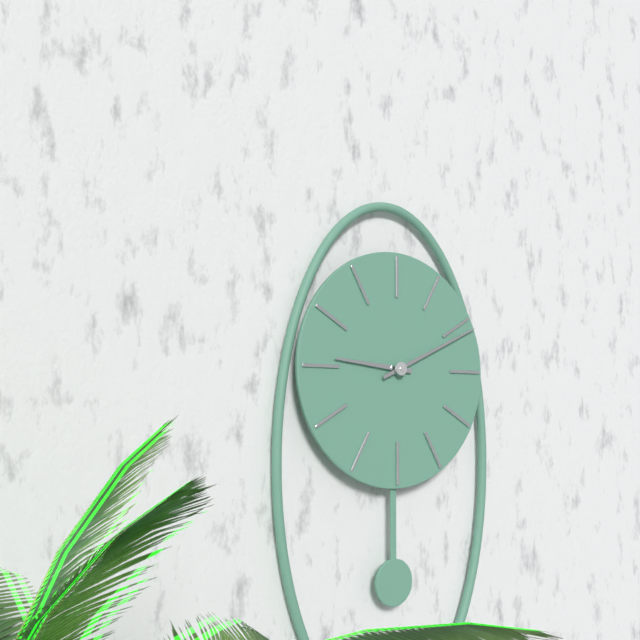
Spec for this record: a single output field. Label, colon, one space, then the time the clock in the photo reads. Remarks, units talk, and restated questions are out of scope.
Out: 9:11
